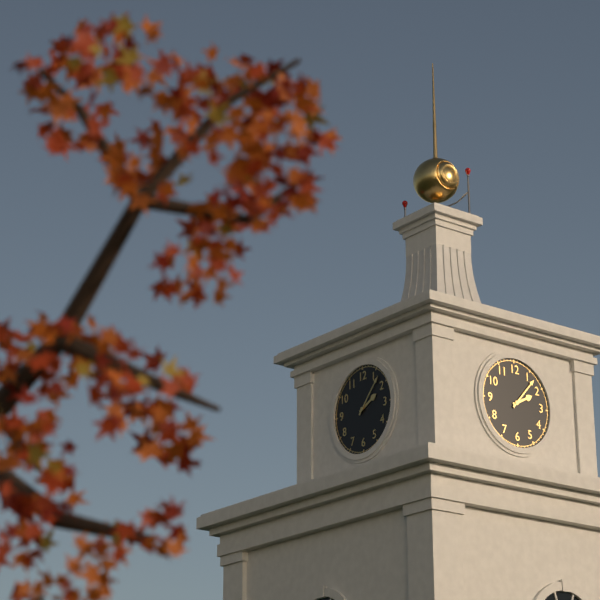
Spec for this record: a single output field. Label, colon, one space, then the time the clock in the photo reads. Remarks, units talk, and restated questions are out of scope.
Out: 2:07
